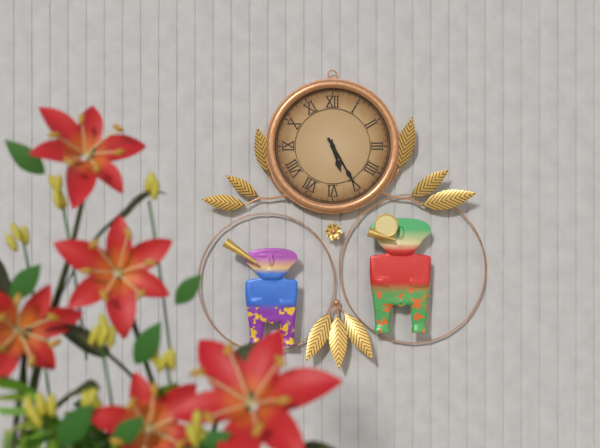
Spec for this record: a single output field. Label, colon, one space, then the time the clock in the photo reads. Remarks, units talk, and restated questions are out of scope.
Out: 5:25
